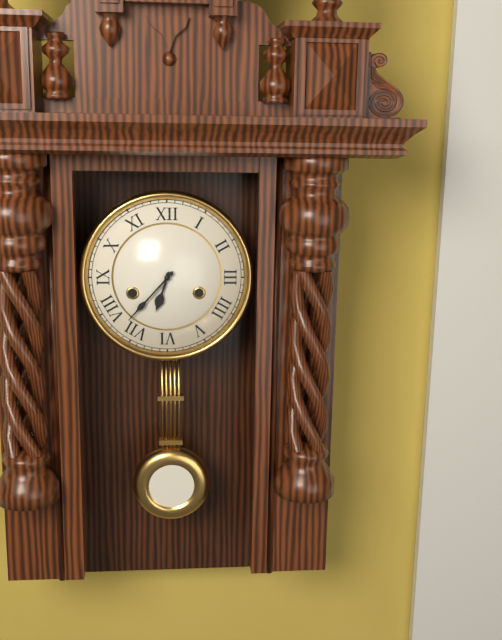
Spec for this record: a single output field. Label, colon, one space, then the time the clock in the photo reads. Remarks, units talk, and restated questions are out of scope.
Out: 6:37
